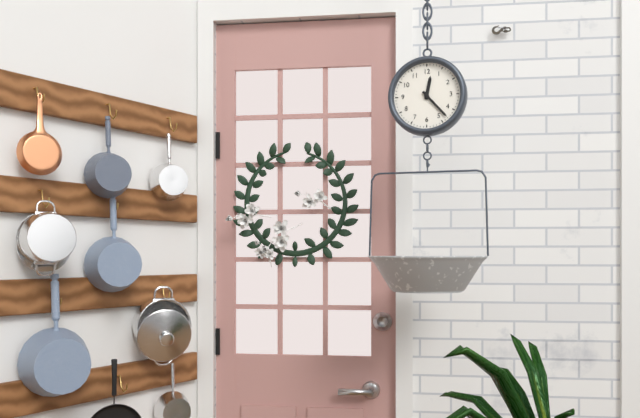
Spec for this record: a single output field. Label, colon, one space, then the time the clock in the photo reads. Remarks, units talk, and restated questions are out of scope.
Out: 12:23
